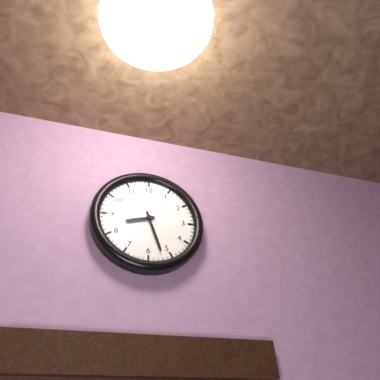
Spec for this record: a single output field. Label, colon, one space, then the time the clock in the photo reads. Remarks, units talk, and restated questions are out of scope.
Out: 8:27
